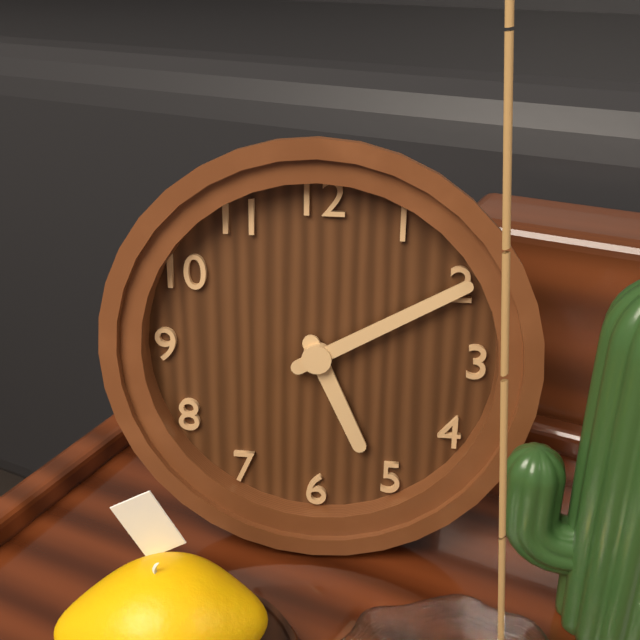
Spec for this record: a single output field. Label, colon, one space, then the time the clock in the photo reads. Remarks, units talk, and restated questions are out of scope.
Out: 5:10
